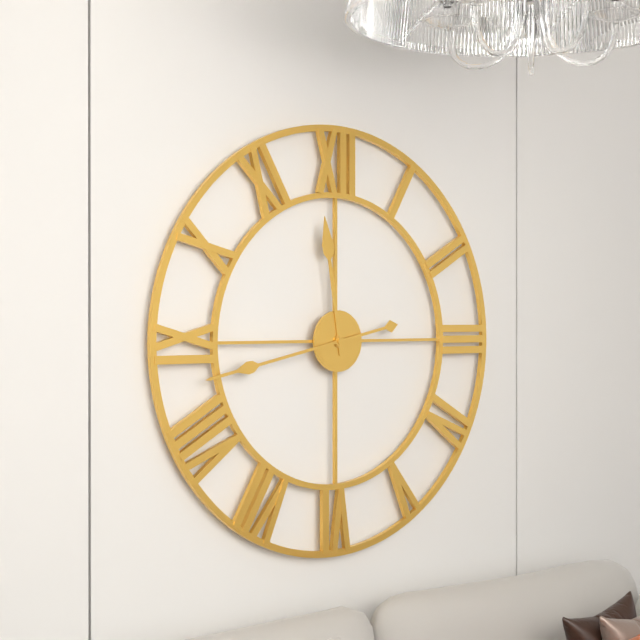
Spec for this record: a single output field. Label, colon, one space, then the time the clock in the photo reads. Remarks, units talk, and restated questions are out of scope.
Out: 11:43
